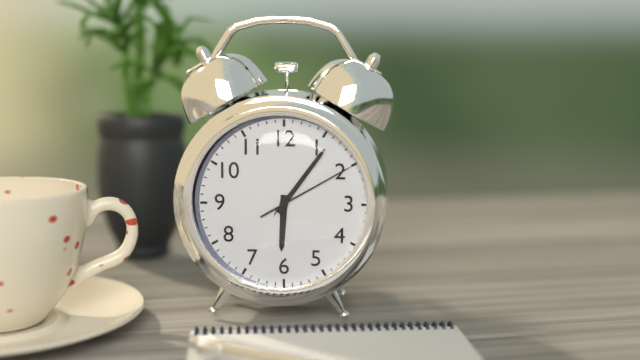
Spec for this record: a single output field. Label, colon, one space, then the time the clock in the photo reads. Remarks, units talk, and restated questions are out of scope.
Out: 6:06:10
